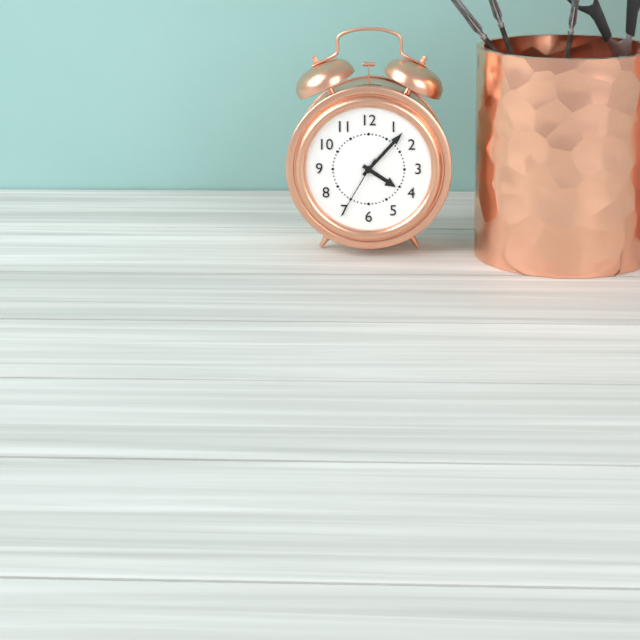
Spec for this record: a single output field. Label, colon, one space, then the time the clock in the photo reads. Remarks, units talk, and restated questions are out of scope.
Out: 4:07:35
